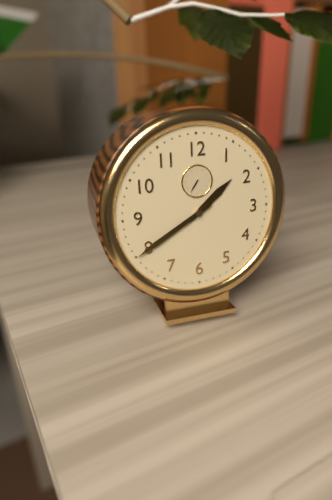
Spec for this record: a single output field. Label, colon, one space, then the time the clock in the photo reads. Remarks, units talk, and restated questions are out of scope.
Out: 1:40
